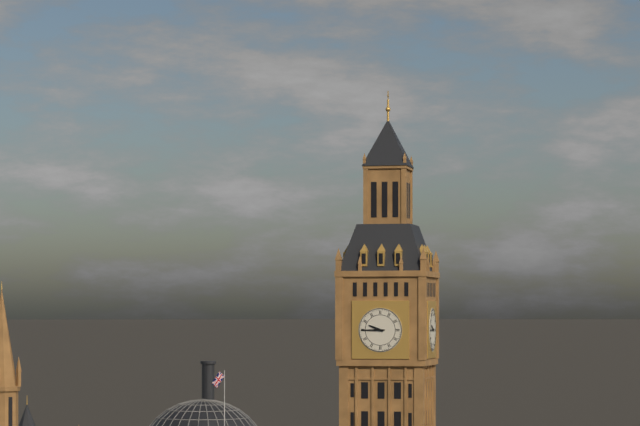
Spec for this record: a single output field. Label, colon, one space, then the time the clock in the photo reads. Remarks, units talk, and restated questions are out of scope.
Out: 9:45
